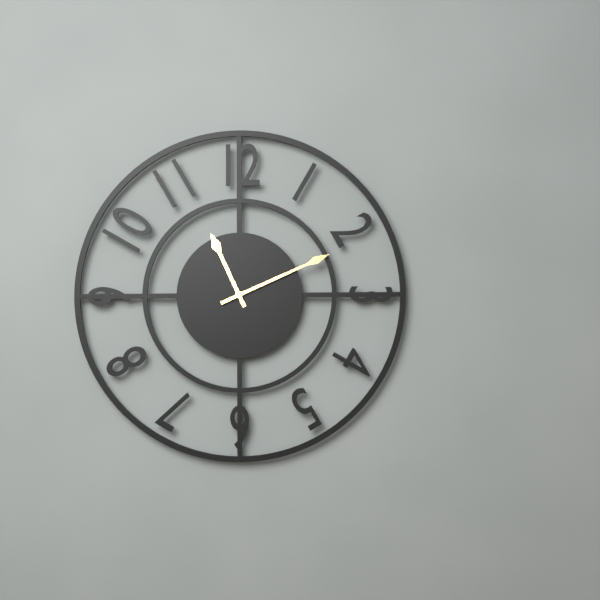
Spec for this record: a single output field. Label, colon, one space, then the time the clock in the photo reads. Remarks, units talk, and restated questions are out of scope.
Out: 11:11
